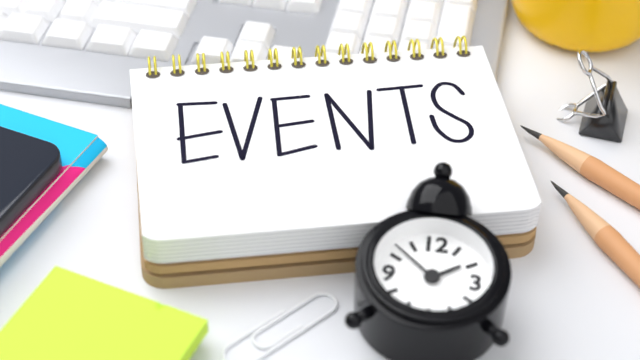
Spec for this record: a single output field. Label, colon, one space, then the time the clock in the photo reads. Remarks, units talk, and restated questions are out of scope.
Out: 1:52
